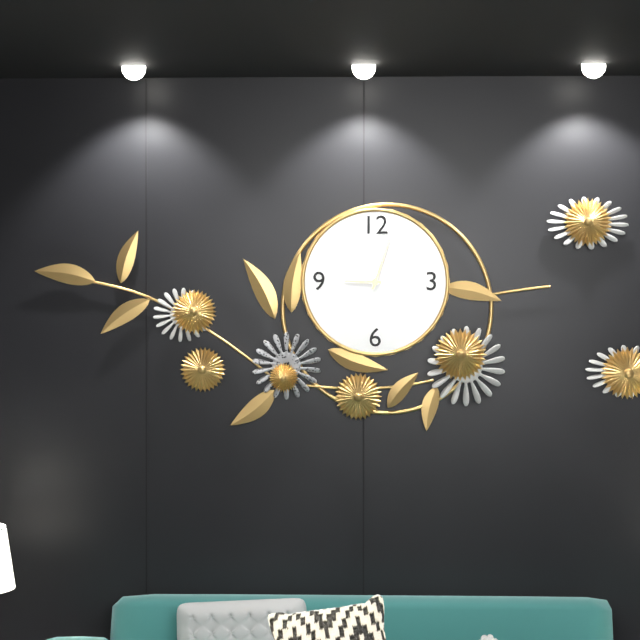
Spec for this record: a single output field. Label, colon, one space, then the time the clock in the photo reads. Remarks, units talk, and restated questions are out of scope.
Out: 9:03
